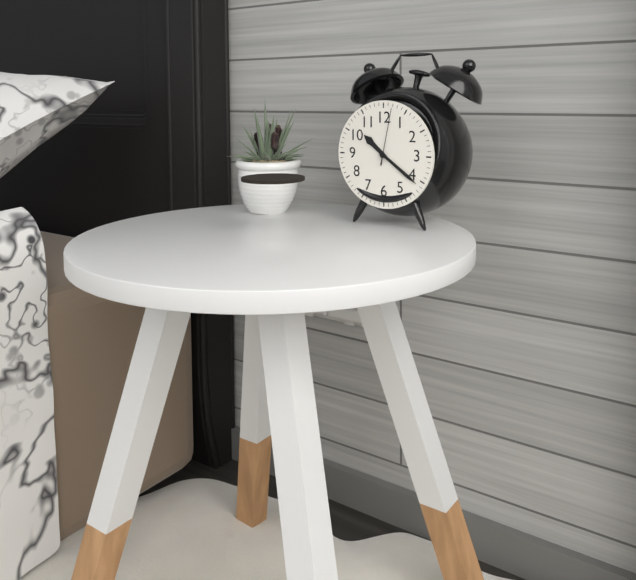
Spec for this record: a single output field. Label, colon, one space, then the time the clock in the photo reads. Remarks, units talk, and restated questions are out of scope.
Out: 10:21:02
